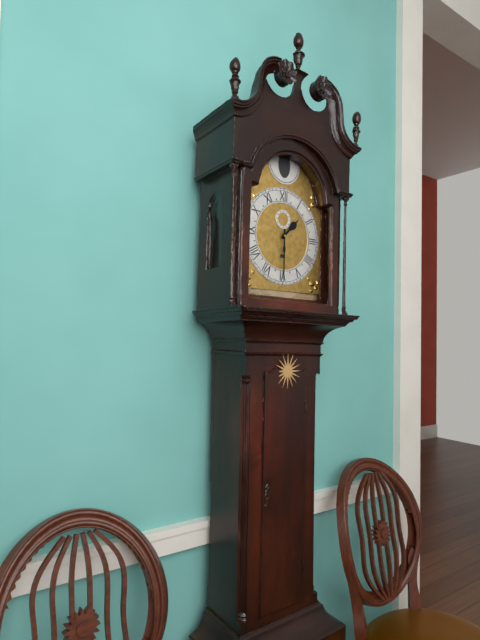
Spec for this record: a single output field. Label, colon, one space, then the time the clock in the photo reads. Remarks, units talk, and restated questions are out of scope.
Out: 1:30
